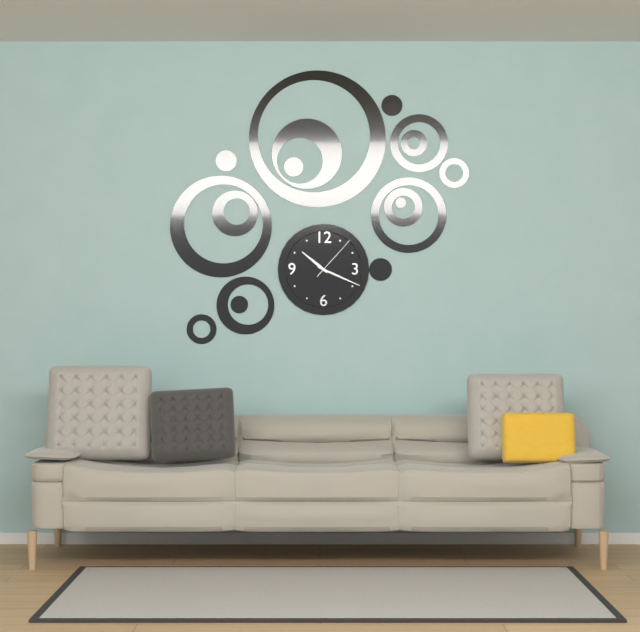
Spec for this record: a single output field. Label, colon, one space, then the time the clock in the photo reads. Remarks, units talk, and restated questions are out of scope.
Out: 10:19
